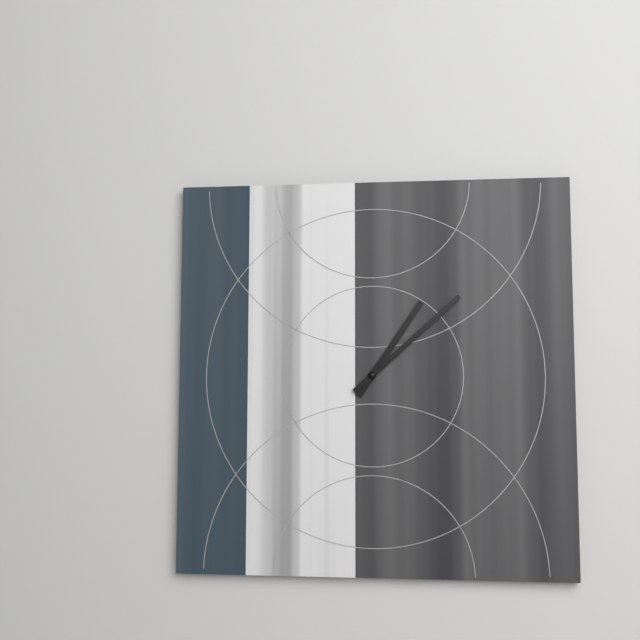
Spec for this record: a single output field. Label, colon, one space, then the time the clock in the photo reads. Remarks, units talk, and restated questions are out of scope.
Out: 1:08
